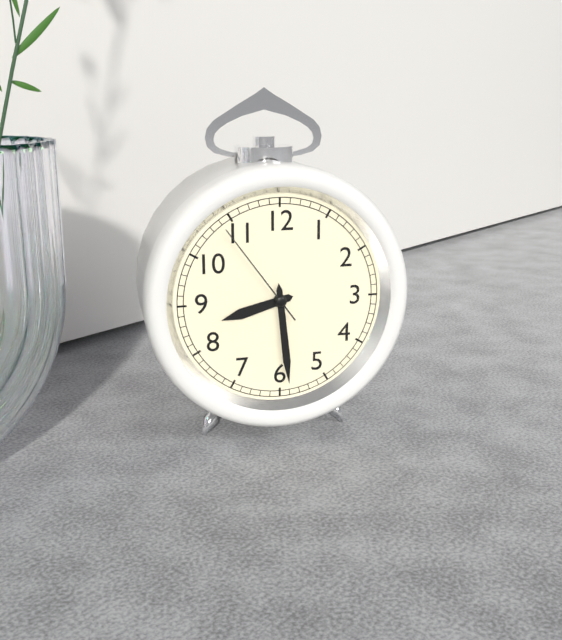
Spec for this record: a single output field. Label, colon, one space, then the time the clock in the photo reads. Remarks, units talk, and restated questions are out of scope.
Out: 8:29:54
